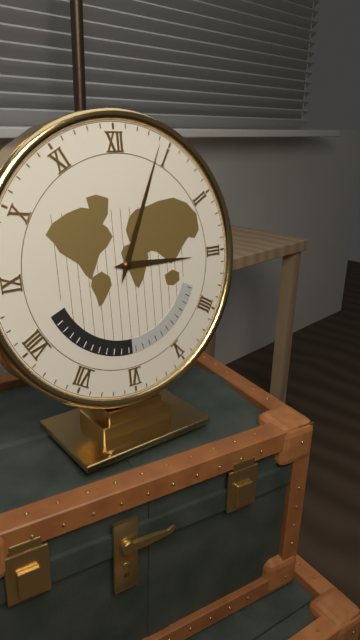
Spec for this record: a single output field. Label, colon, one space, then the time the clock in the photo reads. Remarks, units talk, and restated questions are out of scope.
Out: 3:04
